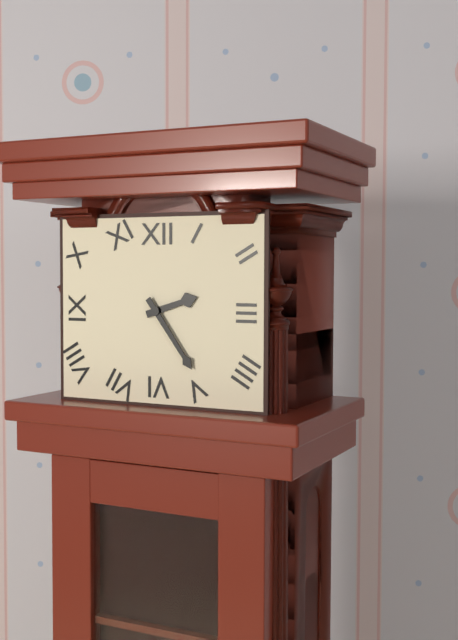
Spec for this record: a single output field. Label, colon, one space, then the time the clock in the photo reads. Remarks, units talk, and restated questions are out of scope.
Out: 2:24
